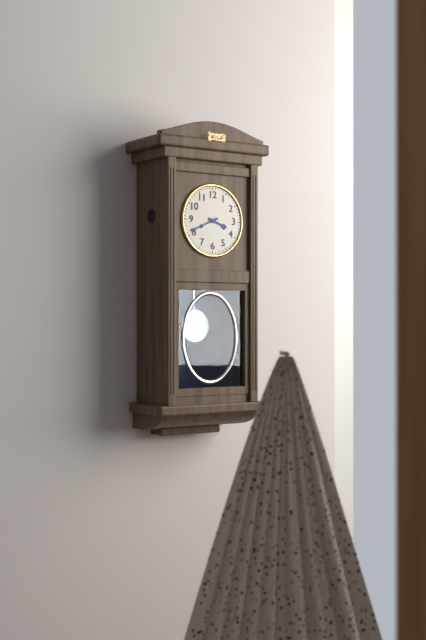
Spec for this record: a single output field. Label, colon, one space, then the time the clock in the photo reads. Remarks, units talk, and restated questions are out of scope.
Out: 3:41
